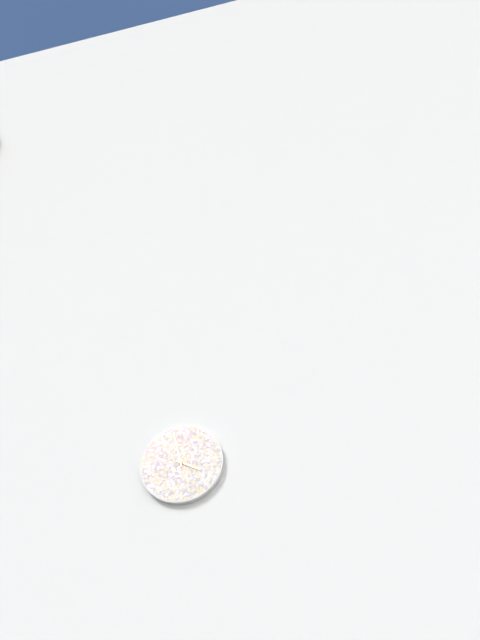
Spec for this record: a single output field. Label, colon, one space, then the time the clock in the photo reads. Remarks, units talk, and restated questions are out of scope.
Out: 3:58
